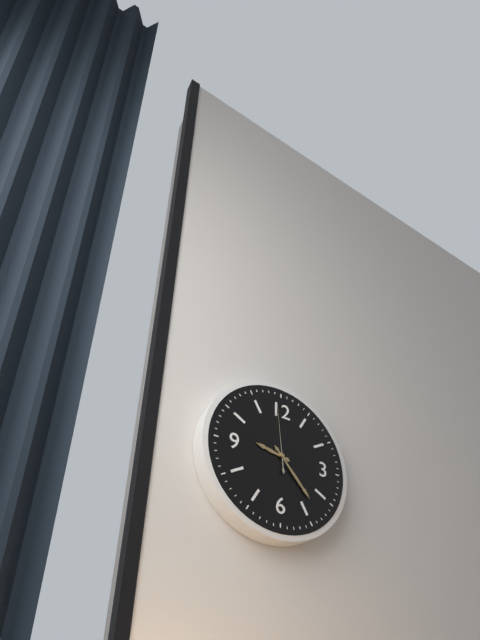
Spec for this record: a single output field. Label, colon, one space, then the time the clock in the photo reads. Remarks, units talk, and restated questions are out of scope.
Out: 9:23:59
